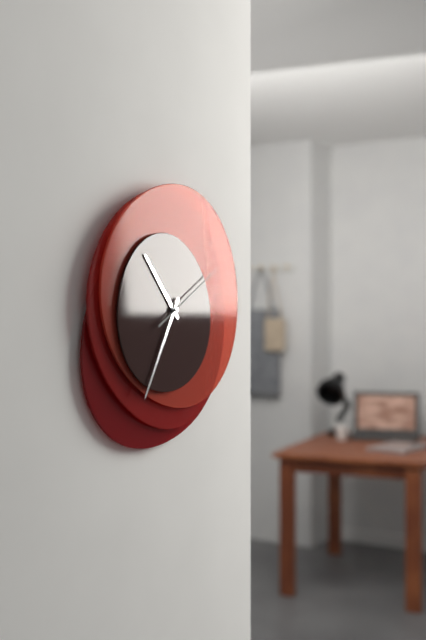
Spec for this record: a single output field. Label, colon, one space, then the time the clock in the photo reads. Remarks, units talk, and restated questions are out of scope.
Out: 10:35:10
